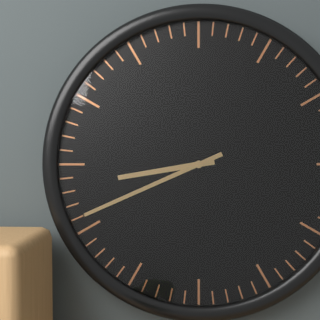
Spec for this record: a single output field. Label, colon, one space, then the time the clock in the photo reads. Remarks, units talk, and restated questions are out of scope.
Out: 8:41
